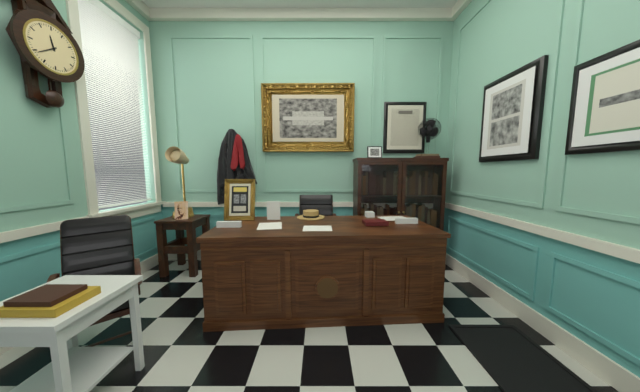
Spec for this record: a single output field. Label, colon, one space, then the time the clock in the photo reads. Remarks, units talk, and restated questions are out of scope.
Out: 11:39
